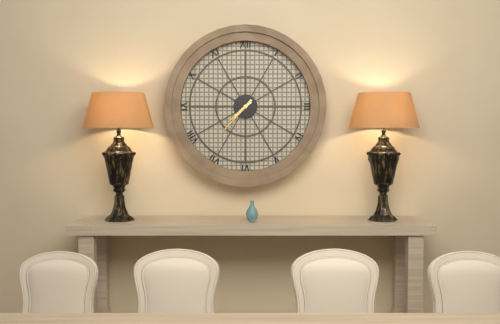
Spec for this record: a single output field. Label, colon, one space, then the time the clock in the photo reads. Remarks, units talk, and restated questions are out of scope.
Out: 7:37
